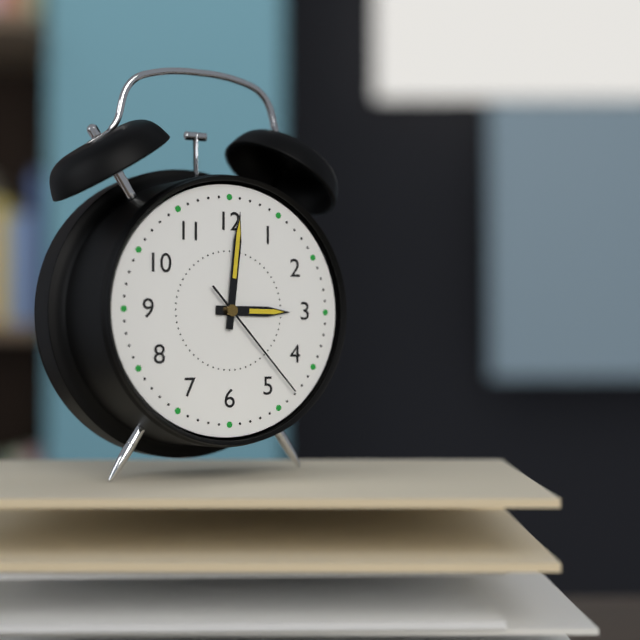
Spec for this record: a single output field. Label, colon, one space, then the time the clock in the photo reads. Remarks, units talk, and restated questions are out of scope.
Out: 3:01:23
